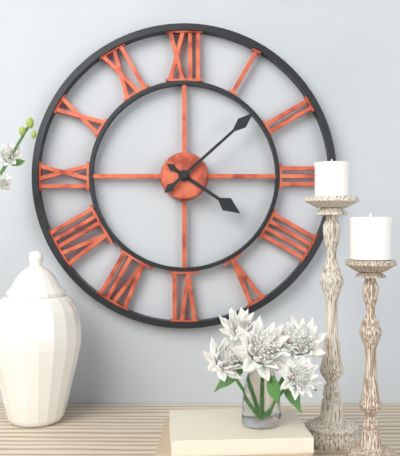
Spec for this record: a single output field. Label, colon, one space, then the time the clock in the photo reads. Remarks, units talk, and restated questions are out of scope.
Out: 4:08
